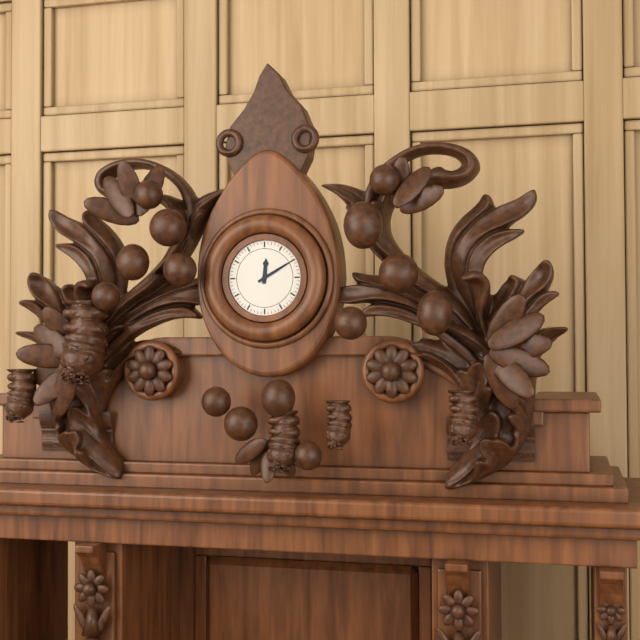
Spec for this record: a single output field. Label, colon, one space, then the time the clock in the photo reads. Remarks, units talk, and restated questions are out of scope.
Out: 12:10
